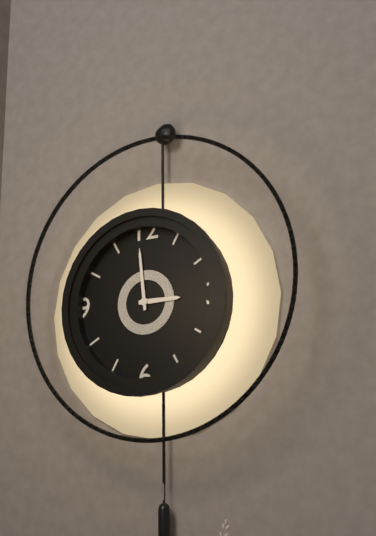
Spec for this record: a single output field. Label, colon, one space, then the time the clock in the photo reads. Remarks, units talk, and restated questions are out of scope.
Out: 2:59
